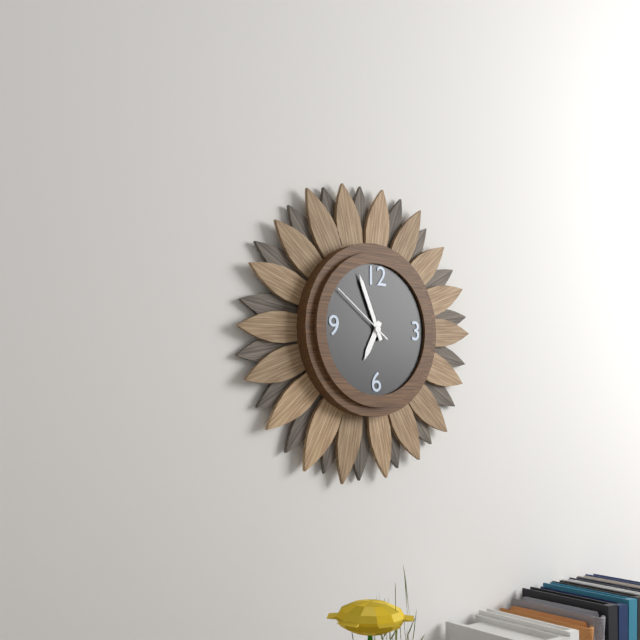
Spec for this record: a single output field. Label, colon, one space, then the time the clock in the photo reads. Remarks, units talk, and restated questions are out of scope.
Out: 6:56:51
